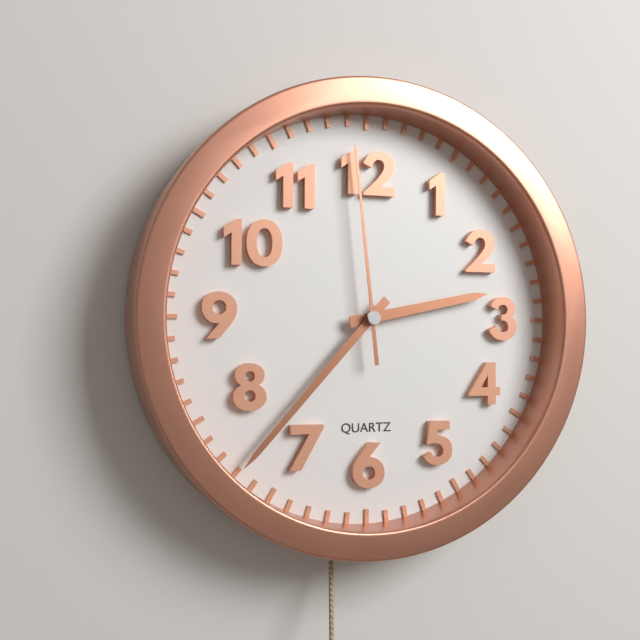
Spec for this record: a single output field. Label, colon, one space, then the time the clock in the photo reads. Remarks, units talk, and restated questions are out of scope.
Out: 2:37:59
